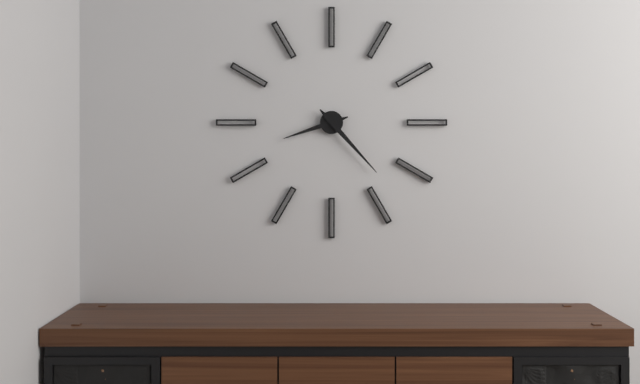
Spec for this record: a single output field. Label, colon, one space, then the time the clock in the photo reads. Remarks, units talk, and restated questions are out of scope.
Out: 8:23
